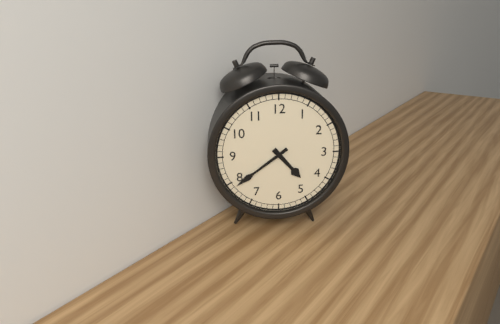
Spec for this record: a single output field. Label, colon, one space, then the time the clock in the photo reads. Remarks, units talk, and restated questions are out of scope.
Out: 4:39
